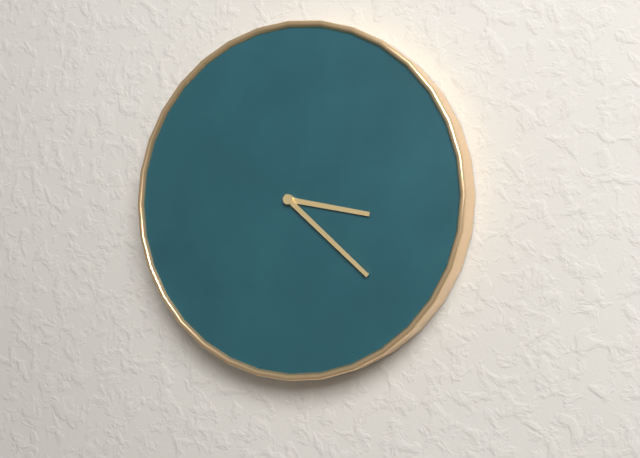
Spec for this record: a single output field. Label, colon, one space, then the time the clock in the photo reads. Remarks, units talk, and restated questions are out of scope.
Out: 3:22
